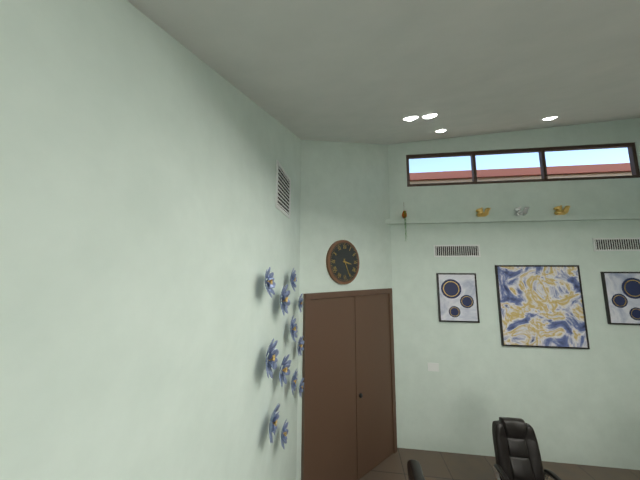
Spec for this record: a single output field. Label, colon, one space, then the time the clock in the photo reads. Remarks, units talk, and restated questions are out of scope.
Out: 3:26
